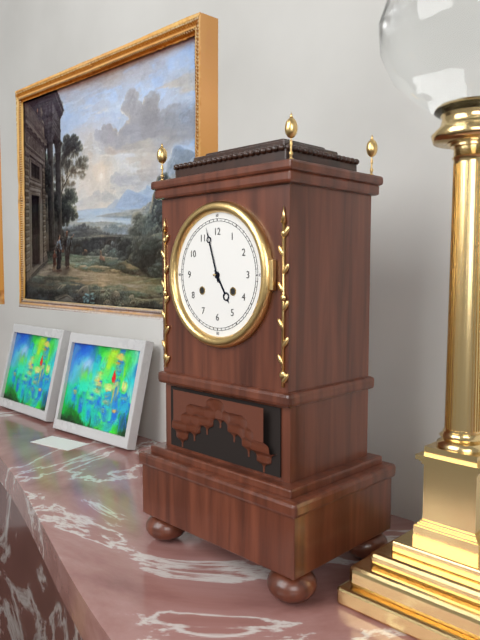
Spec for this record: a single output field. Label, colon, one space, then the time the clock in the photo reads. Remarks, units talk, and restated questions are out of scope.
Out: 4:57
